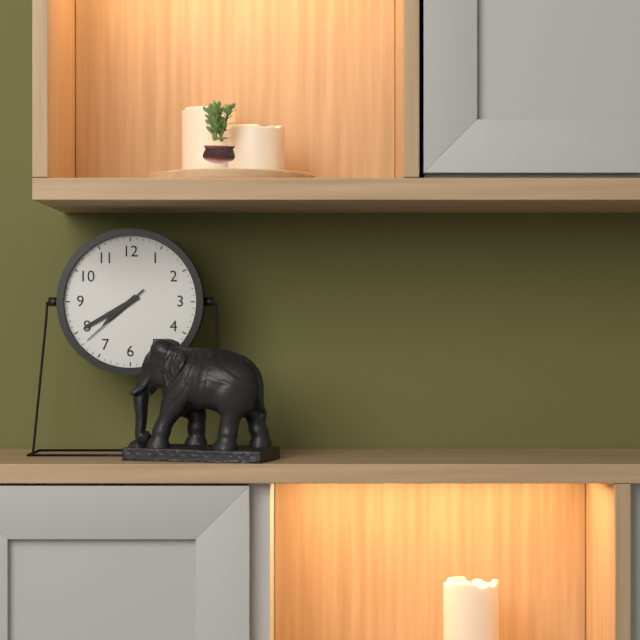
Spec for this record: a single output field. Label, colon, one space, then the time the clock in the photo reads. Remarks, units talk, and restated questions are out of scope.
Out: 7:40:38
